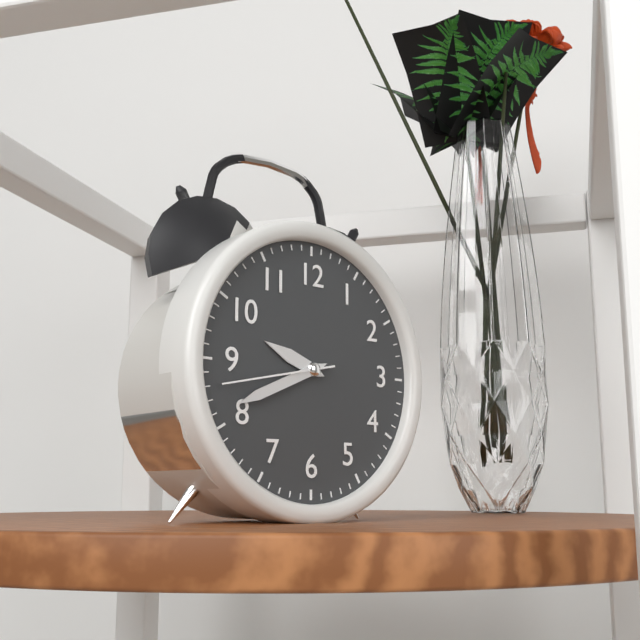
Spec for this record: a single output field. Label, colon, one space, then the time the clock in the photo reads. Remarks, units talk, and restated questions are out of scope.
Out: 9:41:43
